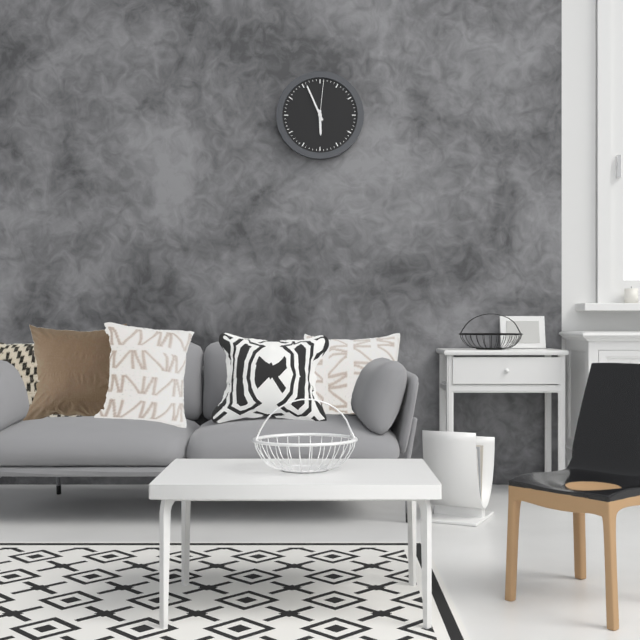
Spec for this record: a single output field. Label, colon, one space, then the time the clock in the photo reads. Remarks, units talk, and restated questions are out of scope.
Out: 5:56
